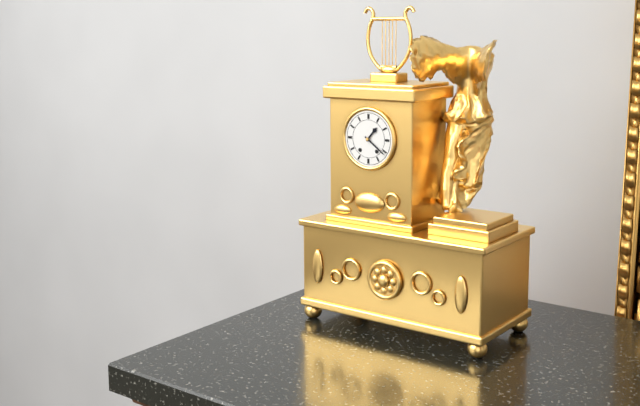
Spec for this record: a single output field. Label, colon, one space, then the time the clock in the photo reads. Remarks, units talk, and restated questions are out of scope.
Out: 1:21
